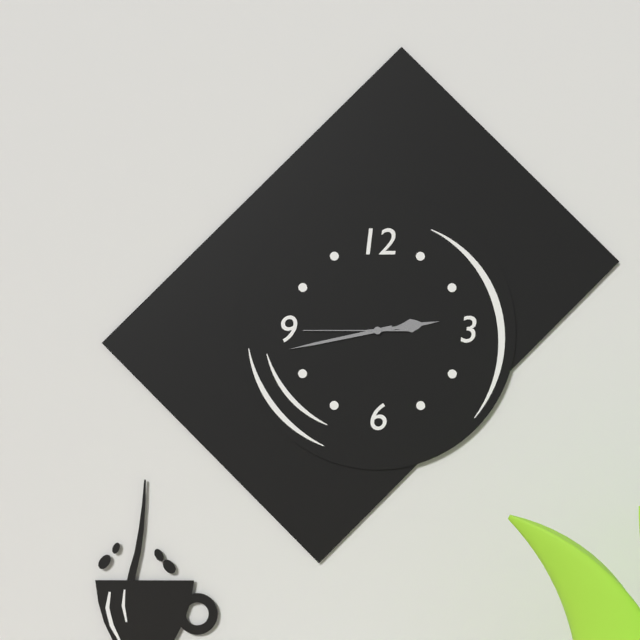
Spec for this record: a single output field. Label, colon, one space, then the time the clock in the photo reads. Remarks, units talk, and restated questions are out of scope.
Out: 2:43:45
